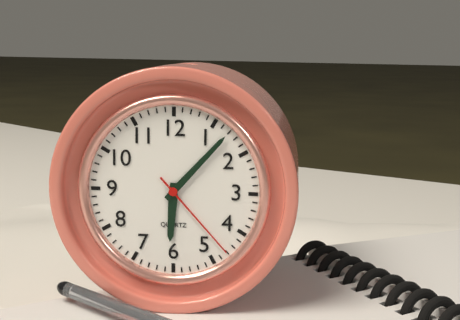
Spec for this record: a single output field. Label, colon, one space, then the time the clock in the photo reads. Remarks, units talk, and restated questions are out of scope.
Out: 6:07:23
